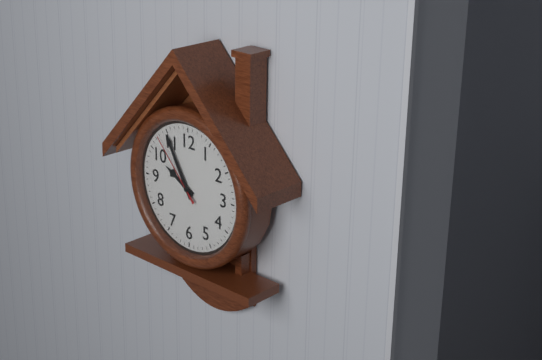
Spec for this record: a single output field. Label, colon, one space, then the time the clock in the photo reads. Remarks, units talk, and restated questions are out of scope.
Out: 9:55:53
